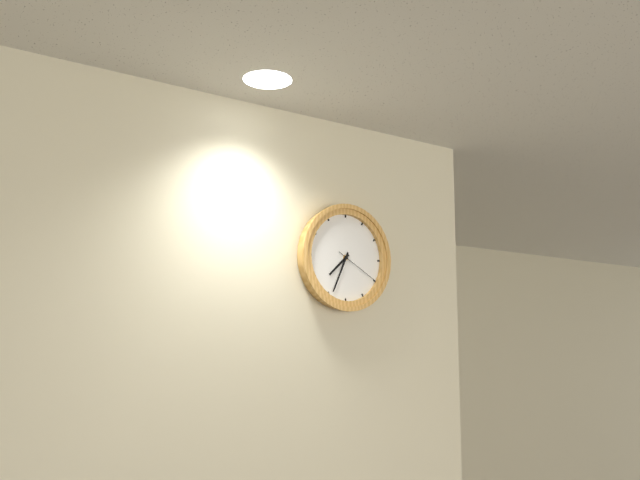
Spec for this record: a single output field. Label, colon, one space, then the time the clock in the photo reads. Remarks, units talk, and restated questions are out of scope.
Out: 7:34
